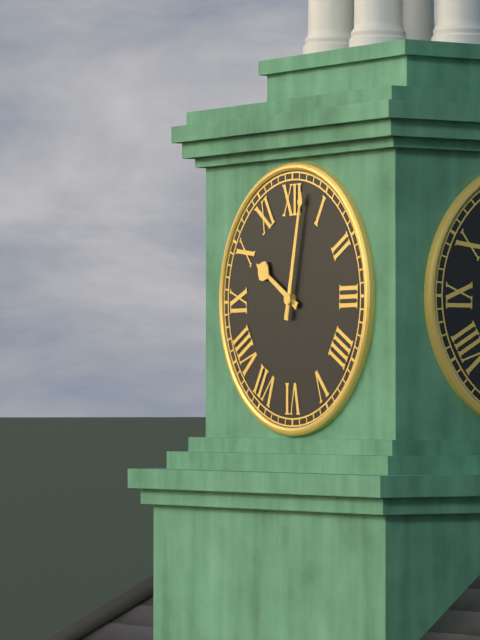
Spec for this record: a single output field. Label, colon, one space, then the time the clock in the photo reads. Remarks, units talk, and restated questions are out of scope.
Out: 10:02
